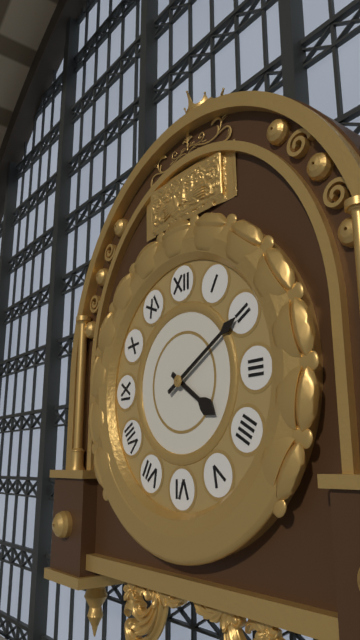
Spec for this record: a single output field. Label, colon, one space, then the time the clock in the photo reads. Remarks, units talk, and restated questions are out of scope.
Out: 4:10
